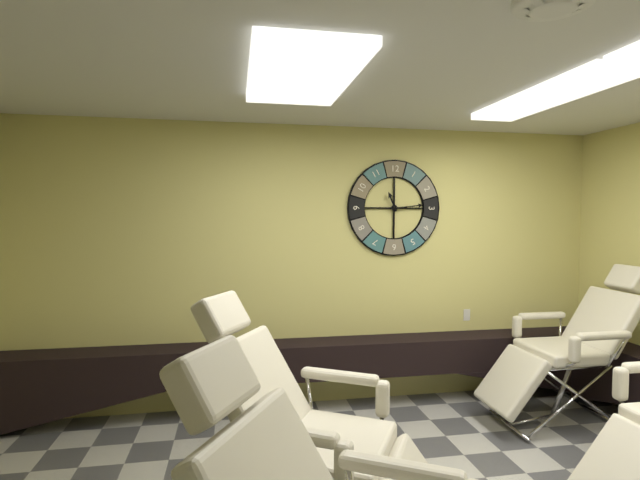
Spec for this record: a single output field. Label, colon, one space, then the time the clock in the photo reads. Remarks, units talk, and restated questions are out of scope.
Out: 11:14
